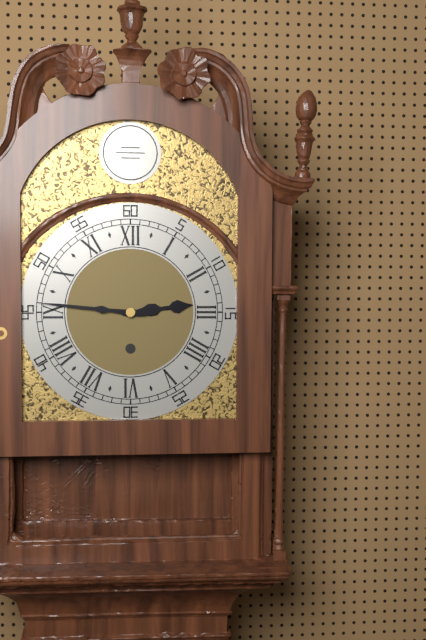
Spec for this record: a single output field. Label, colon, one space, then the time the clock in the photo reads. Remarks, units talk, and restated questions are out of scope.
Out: 2:46
